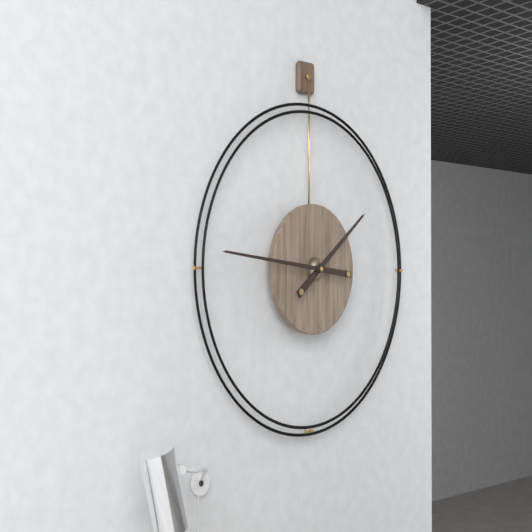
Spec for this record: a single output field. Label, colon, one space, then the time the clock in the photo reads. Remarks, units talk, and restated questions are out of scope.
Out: 1:46
